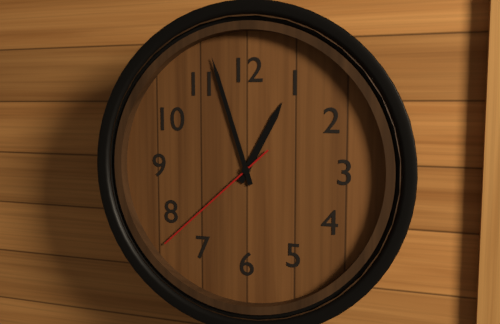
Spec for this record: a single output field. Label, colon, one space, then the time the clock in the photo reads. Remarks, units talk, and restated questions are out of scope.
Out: 12:57:38
